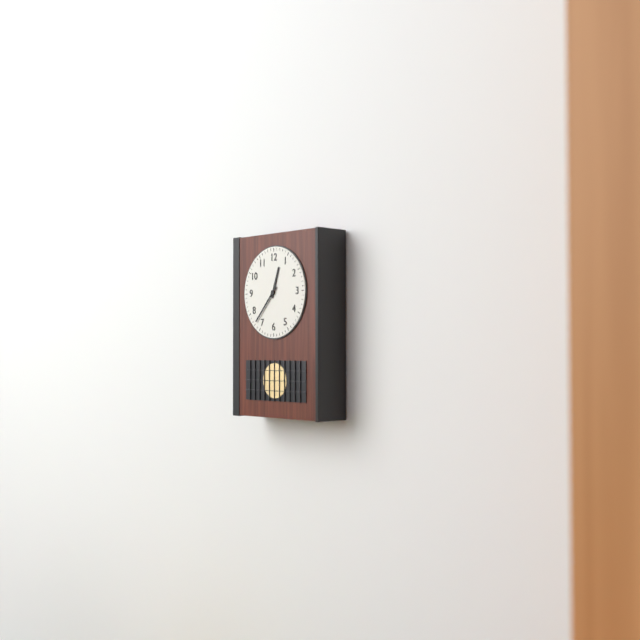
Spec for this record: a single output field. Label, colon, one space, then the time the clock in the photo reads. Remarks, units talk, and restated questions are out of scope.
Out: 12:37
